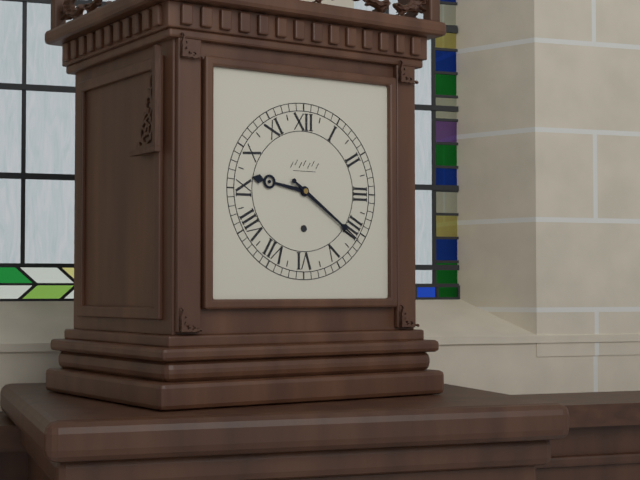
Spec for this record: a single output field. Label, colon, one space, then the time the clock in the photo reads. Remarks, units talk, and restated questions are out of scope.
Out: 9:21
